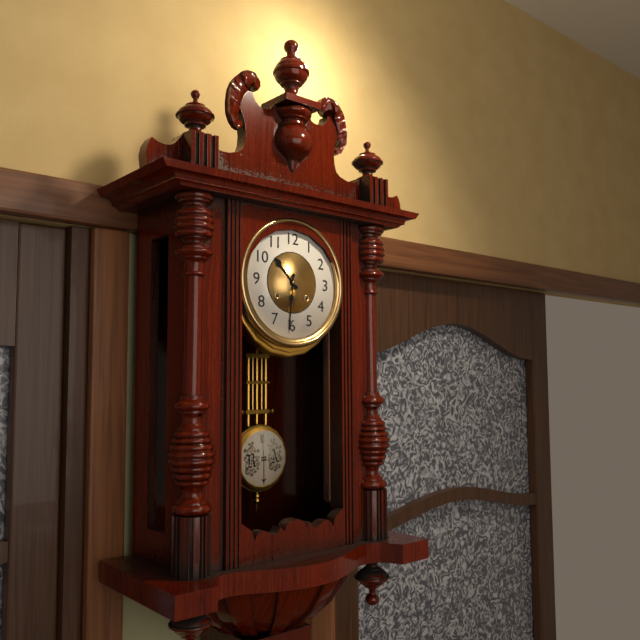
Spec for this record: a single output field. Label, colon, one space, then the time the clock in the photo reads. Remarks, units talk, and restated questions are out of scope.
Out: 10:31
